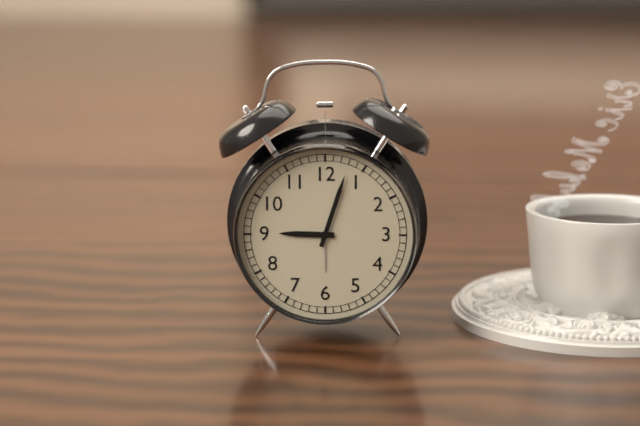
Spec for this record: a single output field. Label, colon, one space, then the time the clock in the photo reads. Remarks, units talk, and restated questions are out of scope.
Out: 9:03
